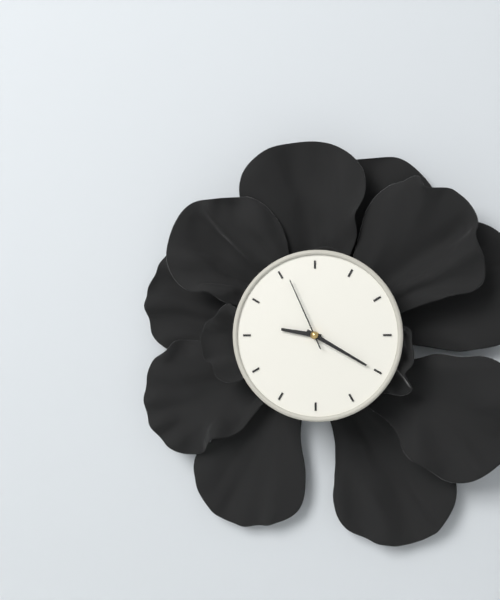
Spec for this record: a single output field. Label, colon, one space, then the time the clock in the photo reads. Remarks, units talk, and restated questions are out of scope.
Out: 9:20:56
